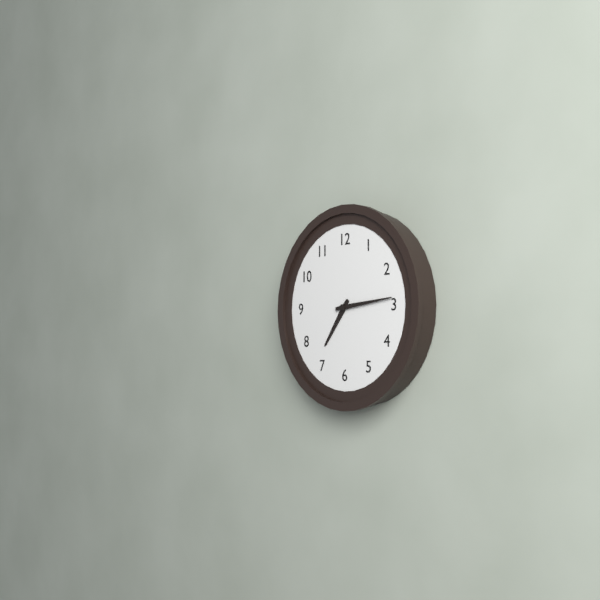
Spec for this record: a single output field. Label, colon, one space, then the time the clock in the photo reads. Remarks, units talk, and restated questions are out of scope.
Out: 7:14
